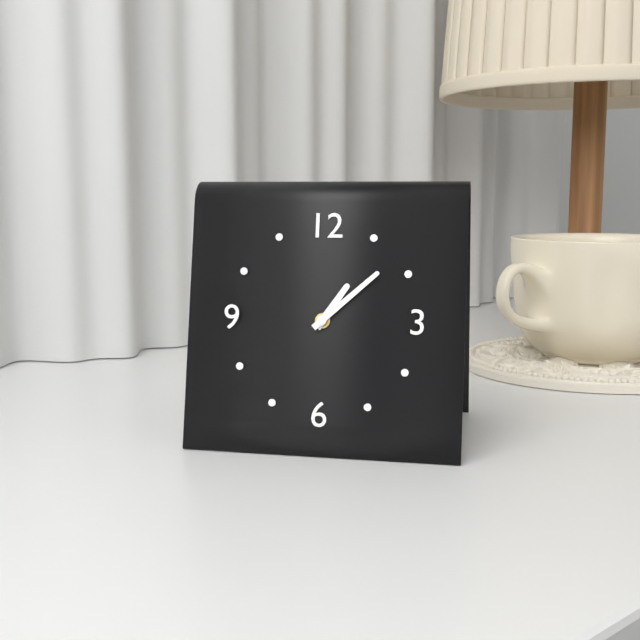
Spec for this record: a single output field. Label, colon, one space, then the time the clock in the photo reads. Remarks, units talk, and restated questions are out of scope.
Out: 1:08
